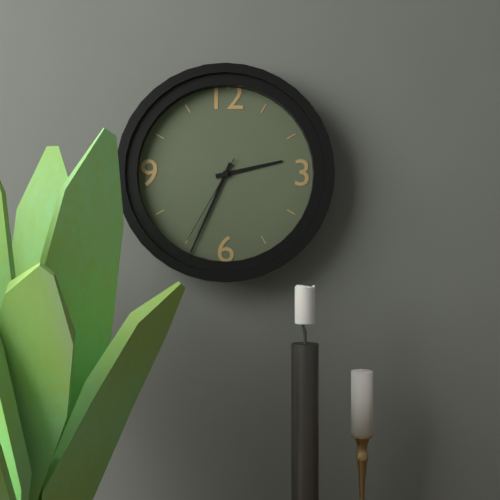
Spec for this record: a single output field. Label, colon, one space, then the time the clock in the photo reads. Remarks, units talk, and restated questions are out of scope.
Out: 2:34:35
